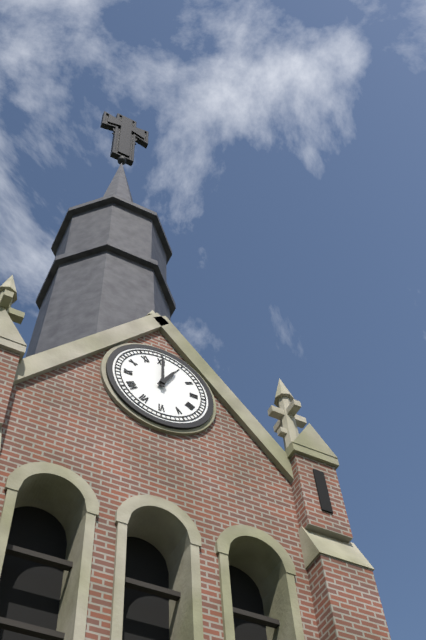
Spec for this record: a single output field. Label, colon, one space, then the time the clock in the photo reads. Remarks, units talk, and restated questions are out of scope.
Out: 1:00
